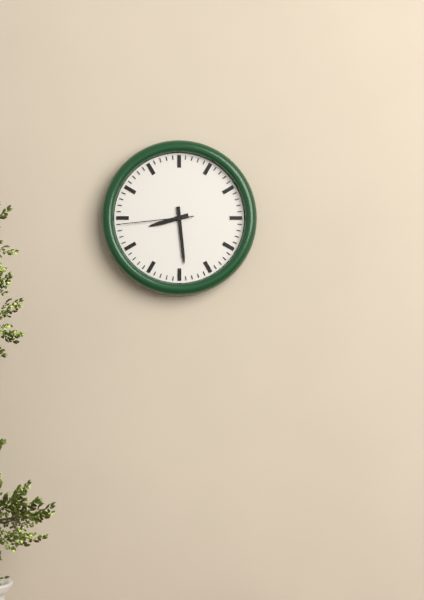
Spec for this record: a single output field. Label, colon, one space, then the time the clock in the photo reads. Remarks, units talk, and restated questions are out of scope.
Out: 8:29:44
